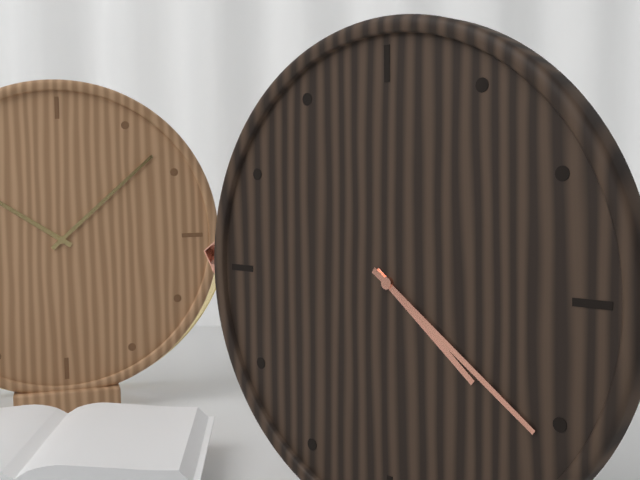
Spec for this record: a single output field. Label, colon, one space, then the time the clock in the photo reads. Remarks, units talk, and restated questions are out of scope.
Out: 4:21
